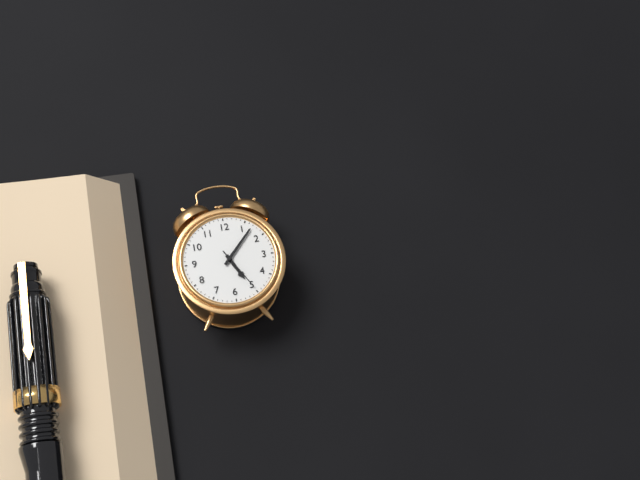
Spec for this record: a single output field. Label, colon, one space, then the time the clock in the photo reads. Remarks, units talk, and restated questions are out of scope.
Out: 5:07
